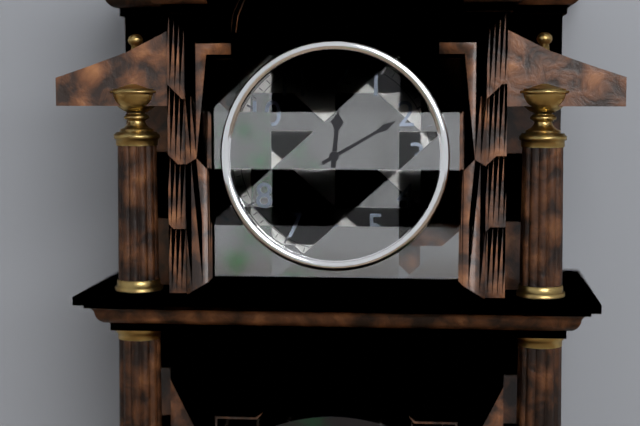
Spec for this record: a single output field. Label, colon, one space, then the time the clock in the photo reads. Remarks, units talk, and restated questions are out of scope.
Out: 12:10
